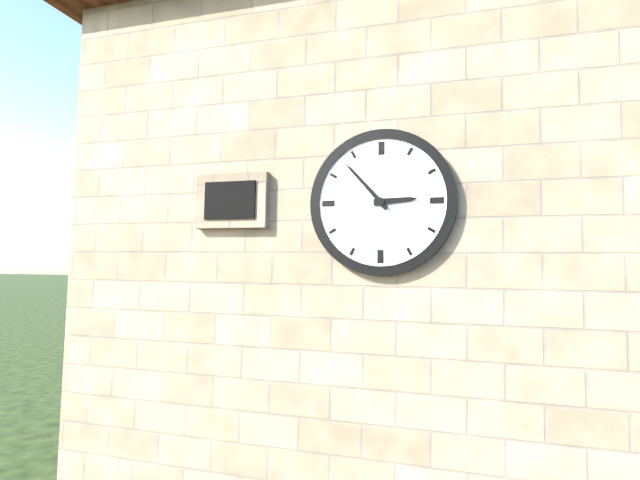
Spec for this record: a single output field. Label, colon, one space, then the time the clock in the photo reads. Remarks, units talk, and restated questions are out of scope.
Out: 2:53
